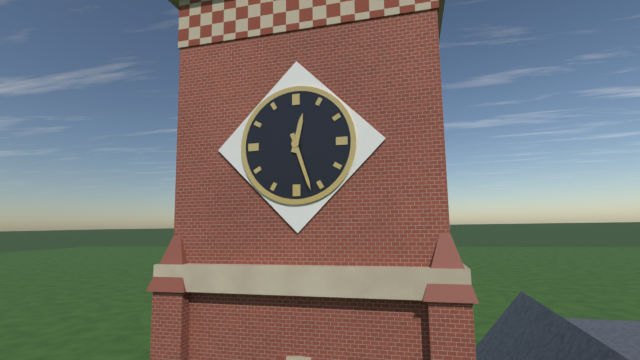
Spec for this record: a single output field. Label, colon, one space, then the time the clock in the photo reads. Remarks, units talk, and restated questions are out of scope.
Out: 12:27
